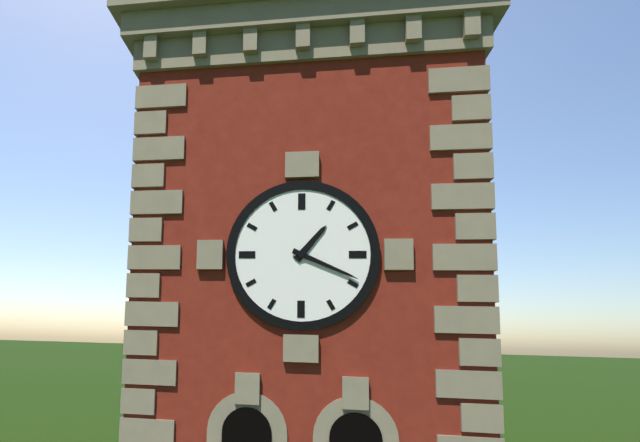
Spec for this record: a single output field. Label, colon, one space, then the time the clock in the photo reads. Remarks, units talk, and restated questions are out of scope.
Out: 1:19
